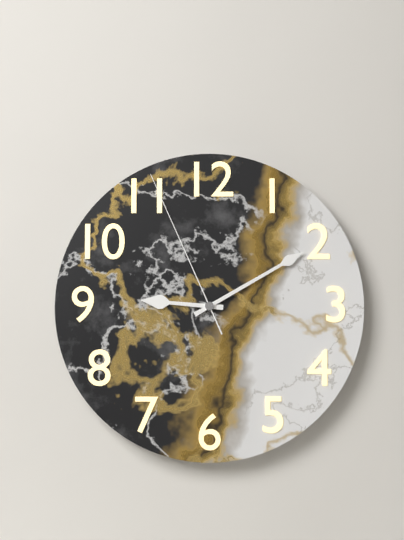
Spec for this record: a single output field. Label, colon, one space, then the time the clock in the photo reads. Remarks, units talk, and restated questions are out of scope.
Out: 9:10:56
